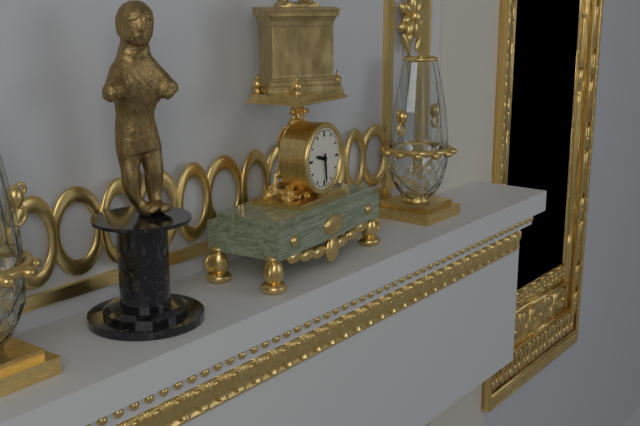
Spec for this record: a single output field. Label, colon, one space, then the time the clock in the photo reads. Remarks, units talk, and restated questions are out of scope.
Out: 9:29
